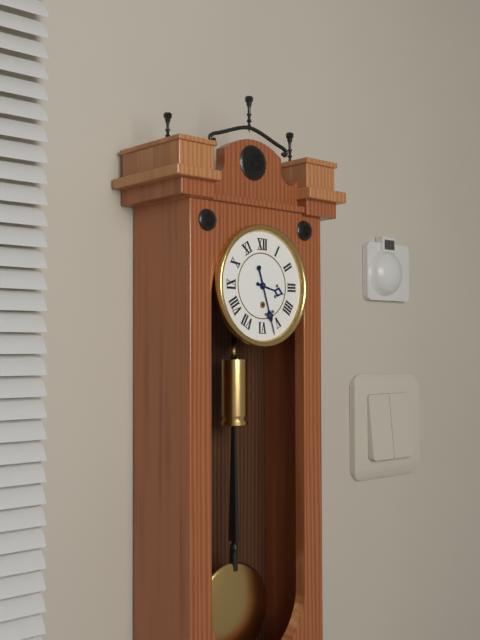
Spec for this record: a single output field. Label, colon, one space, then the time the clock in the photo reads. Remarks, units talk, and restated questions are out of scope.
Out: 3:27
